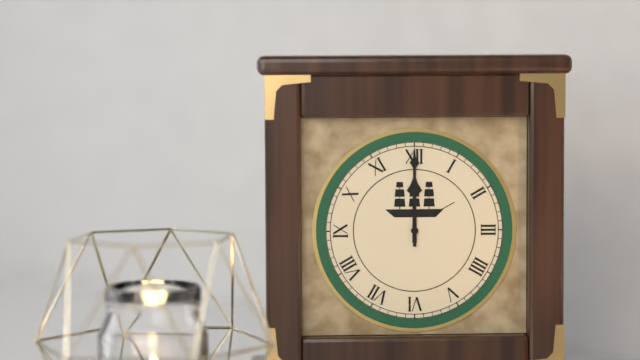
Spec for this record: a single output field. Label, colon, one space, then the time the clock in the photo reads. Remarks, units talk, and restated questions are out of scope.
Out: 12:00
